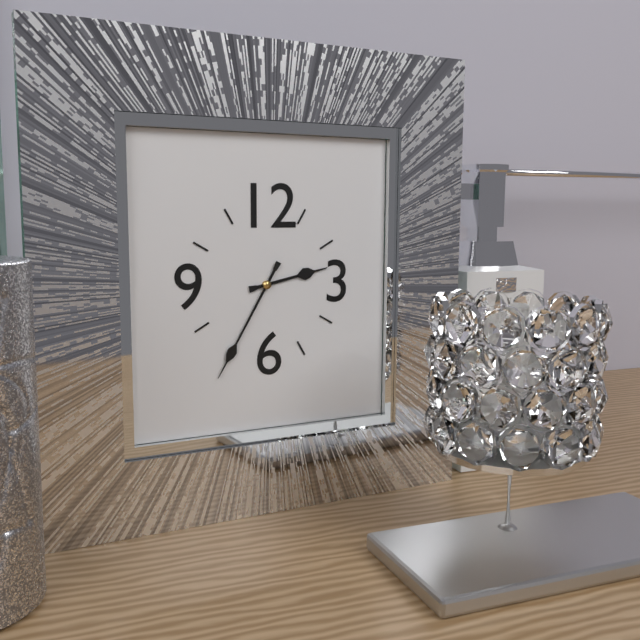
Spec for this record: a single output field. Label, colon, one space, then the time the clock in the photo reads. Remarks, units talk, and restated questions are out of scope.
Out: 2:35
